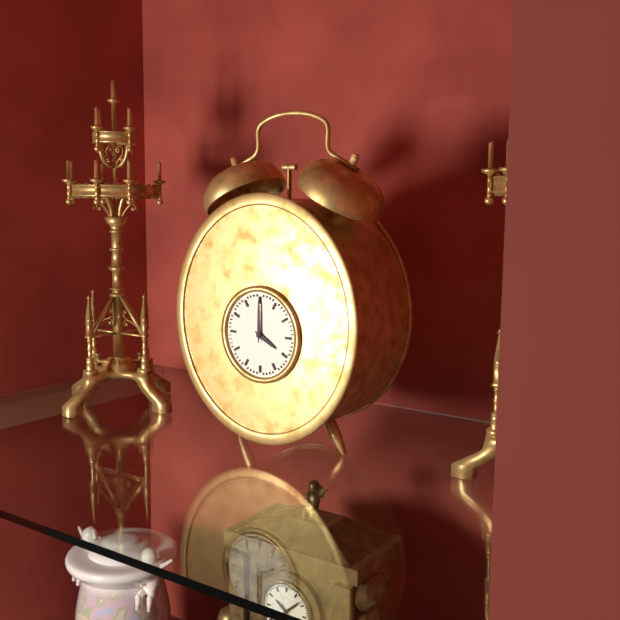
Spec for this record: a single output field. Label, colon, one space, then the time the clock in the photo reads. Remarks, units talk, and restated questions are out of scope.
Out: 4:00
